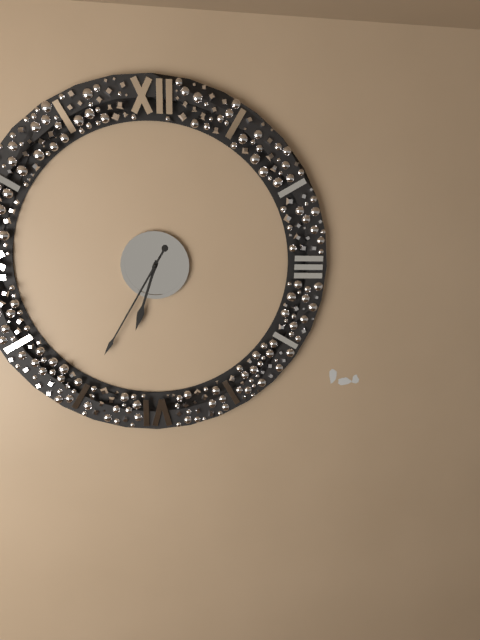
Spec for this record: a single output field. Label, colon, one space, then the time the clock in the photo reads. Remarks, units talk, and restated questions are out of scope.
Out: 6:35
